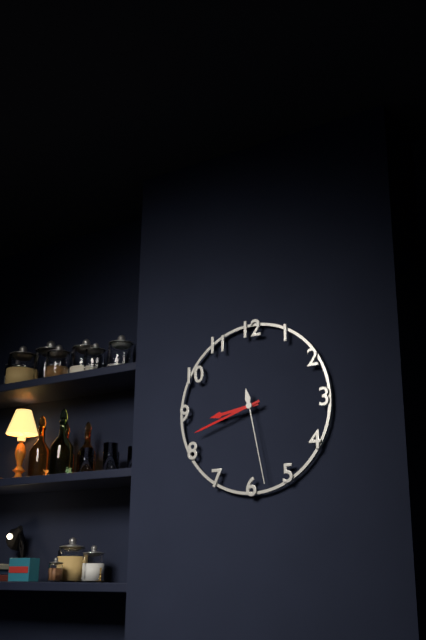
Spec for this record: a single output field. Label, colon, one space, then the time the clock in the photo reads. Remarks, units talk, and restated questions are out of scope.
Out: 8:42:28
